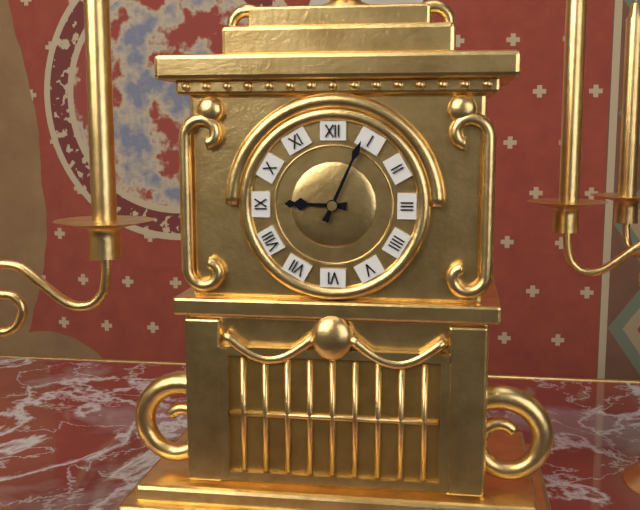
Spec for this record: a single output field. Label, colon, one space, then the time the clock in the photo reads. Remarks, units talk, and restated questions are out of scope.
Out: 9:04
